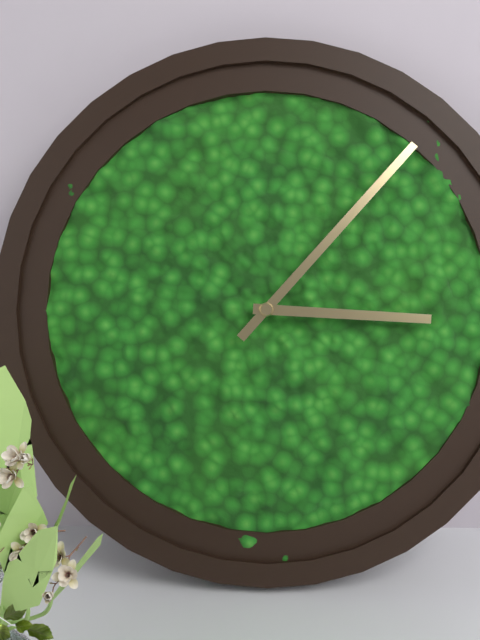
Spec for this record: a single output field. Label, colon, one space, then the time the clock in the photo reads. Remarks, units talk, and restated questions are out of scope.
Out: 3:07
